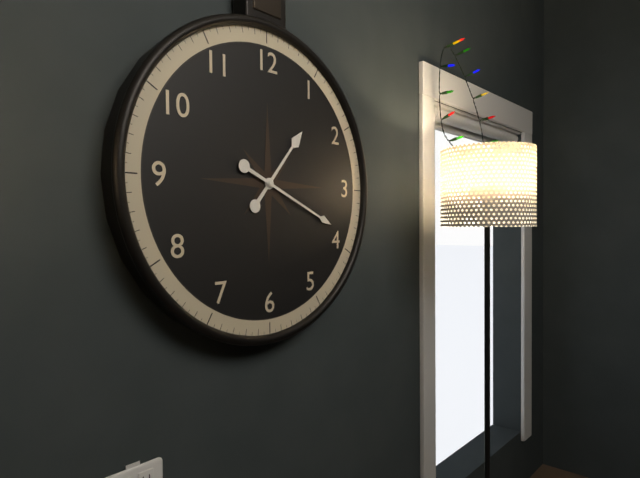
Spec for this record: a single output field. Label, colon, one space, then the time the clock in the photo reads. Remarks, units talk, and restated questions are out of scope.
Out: 1:19
